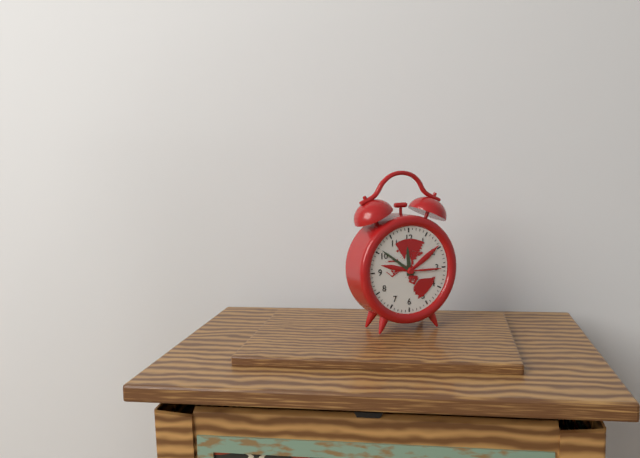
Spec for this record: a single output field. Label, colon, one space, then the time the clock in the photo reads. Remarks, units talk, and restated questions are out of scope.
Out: 11:51
